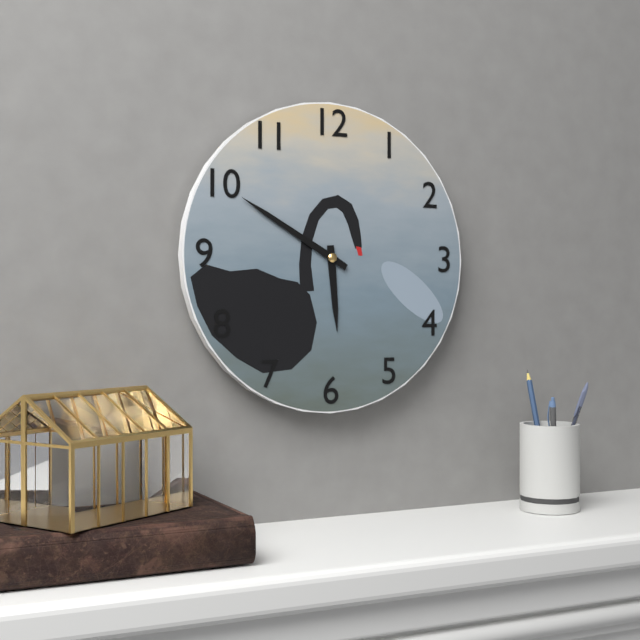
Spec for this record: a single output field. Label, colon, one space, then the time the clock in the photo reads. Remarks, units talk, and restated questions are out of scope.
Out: 5:50
